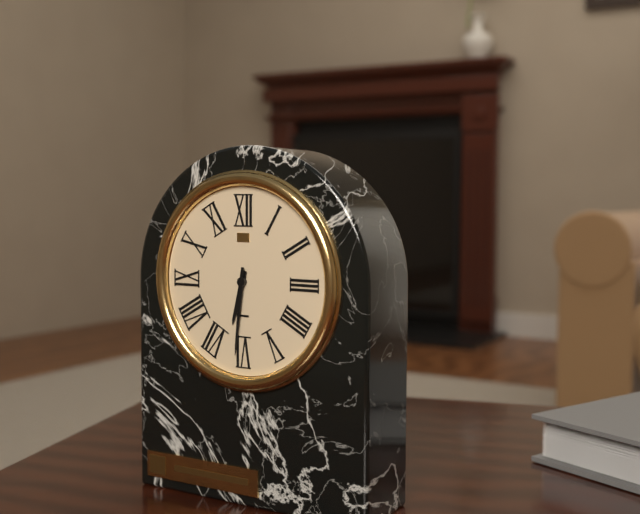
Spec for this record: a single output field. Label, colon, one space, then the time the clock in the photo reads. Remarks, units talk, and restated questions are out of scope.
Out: 6:31
